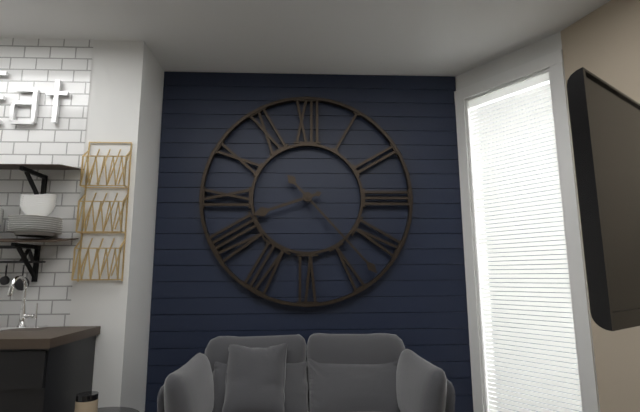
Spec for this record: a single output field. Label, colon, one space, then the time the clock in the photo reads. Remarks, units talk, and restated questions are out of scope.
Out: 8:23
